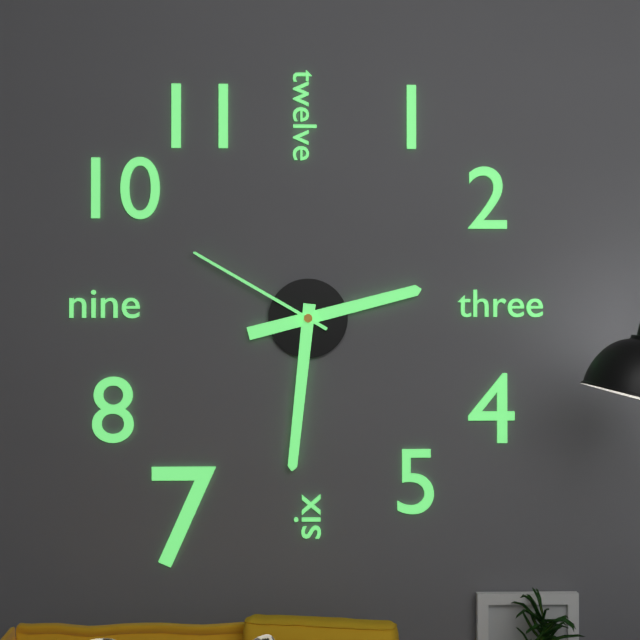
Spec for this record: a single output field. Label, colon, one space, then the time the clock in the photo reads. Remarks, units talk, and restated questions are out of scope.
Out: 2:31:50
